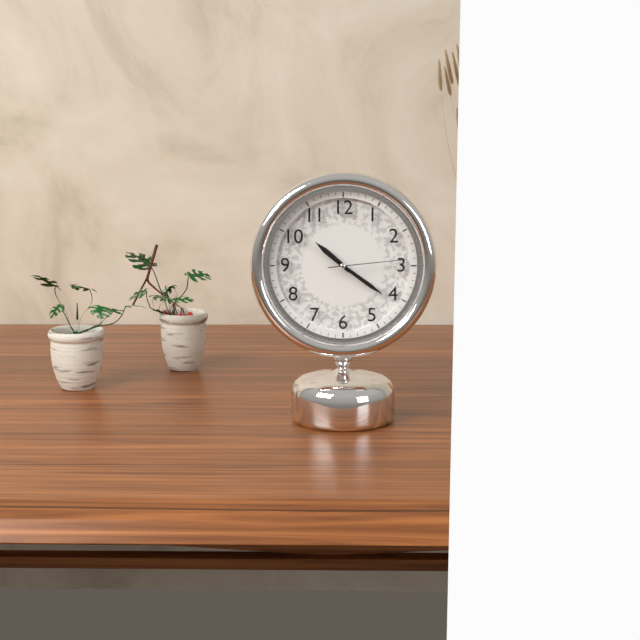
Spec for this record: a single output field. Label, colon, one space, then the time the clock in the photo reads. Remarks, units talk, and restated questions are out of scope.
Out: 10:21:14
